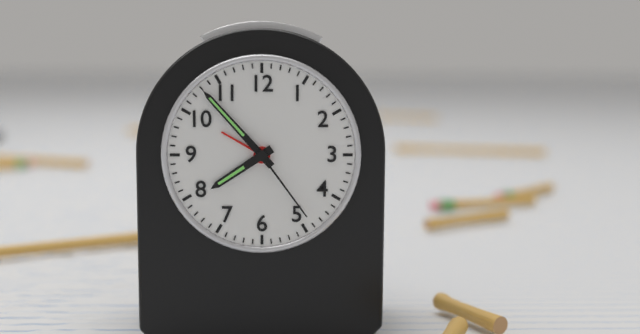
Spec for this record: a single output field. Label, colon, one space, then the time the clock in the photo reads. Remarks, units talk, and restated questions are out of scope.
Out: 7:53:24
